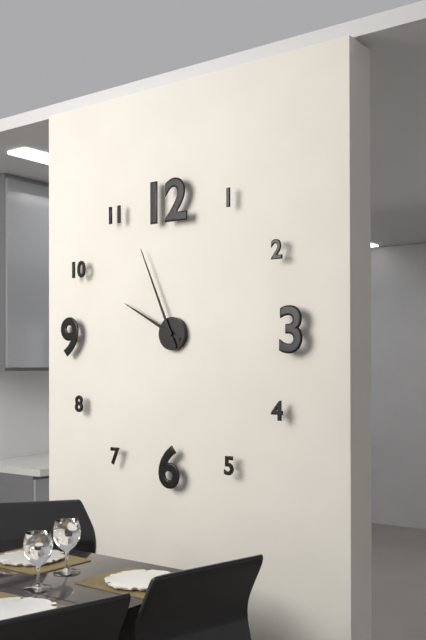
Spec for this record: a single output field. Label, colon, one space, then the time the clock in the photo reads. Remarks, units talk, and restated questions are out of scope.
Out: 9:56
